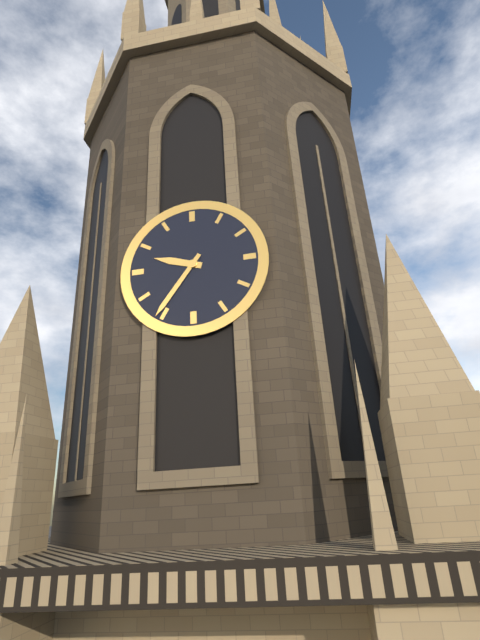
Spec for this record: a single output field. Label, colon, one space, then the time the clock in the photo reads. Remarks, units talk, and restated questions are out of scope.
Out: 9:36
